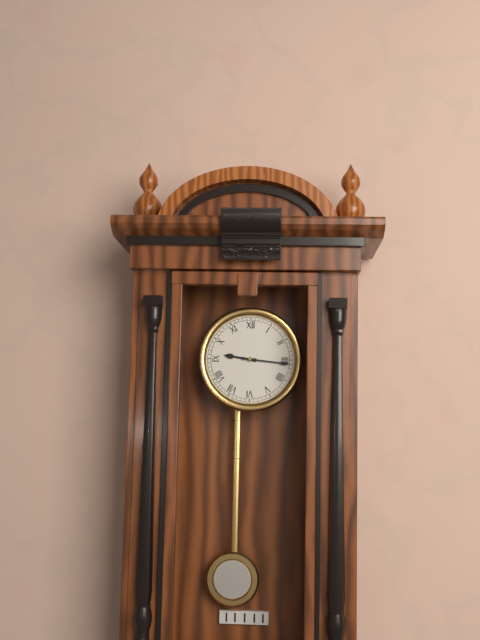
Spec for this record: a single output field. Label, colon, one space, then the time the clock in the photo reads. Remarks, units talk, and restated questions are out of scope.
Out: 9:16
